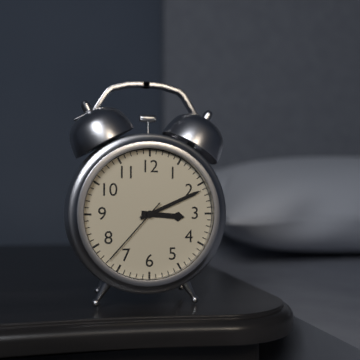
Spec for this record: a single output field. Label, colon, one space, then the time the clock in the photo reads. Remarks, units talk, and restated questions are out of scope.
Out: 3:11:37
